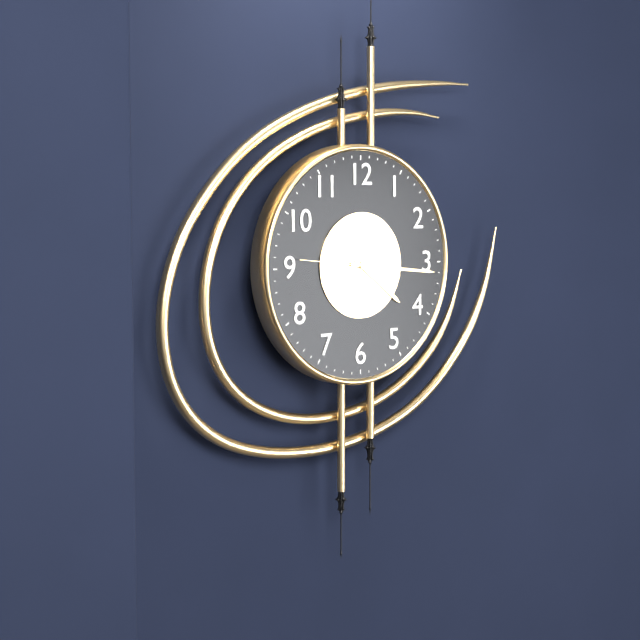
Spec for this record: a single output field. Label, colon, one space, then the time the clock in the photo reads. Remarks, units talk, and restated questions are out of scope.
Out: 4:16:46
